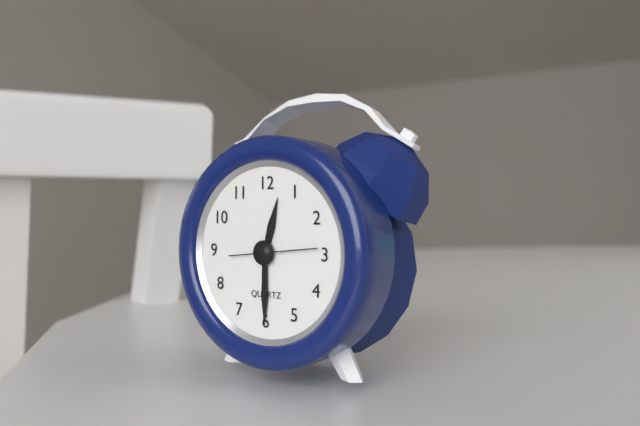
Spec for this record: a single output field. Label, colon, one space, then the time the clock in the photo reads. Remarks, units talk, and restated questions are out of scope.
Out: 12:30:14
